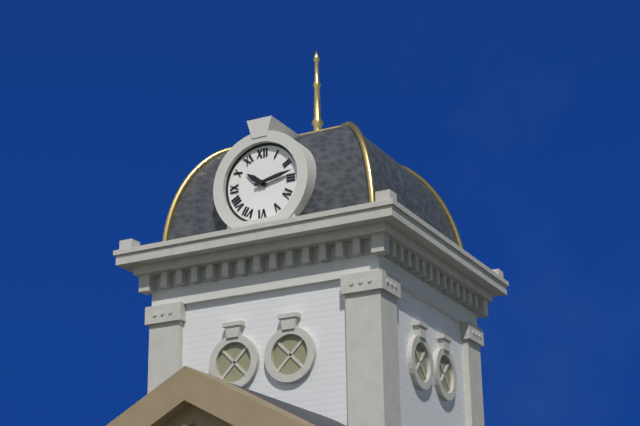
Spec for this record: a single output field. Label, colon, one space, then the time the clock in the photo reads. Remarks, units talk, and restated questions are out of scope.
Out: 10:13
